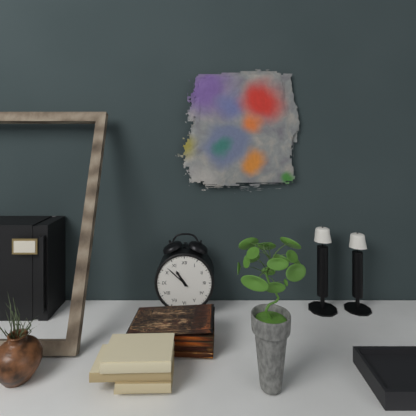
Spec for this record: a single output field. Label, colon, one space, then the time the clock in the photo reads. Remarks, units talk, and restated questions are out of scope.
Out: 10:52
